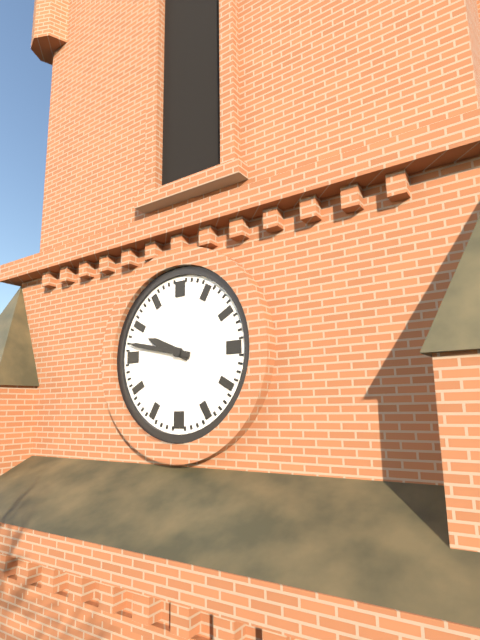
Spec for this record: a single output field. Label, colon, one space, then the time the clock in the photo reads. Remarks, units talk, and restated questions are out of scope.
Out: 9:47
